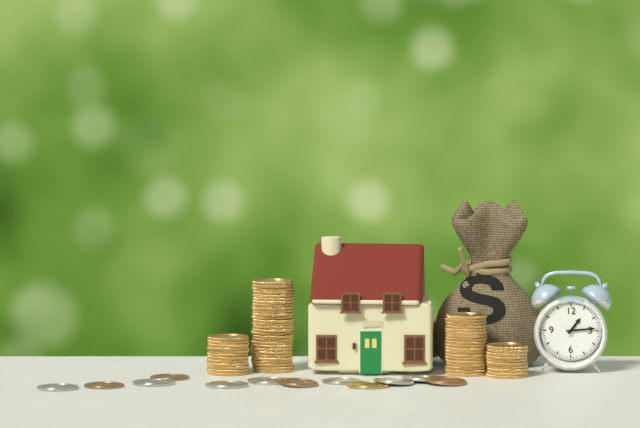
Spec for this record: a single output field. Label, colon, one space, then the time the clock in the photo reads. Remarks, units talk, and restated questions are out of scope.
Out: 1:14
